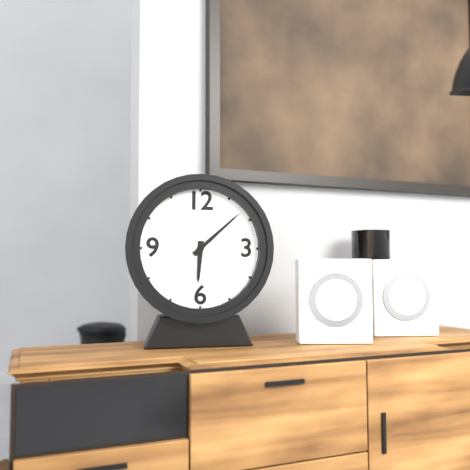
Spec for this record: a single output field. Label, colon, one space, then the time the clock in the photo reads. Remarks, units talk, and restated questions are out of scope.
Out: 6:08
